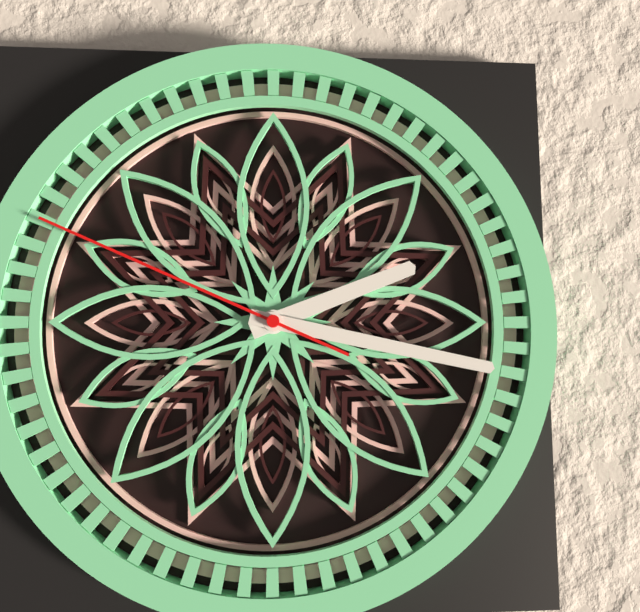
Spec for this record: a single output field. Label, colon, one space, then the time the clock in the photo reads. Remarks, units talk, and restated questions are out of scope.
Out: 2:17:49
